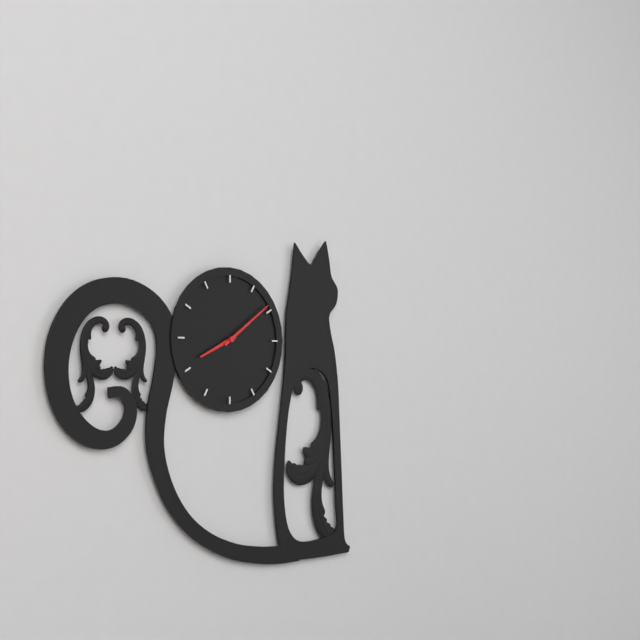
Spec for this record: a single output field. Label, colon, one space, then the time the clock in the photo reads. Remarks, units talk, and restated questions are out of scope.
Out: 8:09
